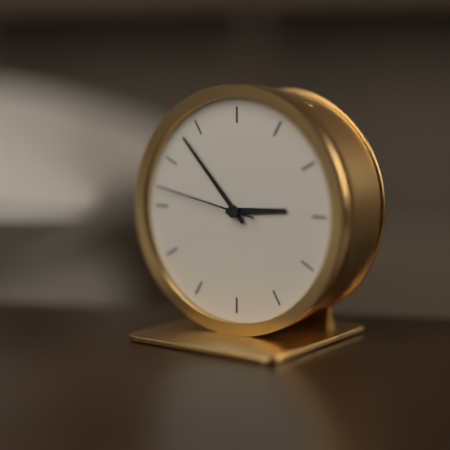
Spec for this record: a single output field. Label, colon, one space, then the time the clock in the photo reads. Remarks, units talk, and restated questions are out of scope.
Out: 2:53:47
